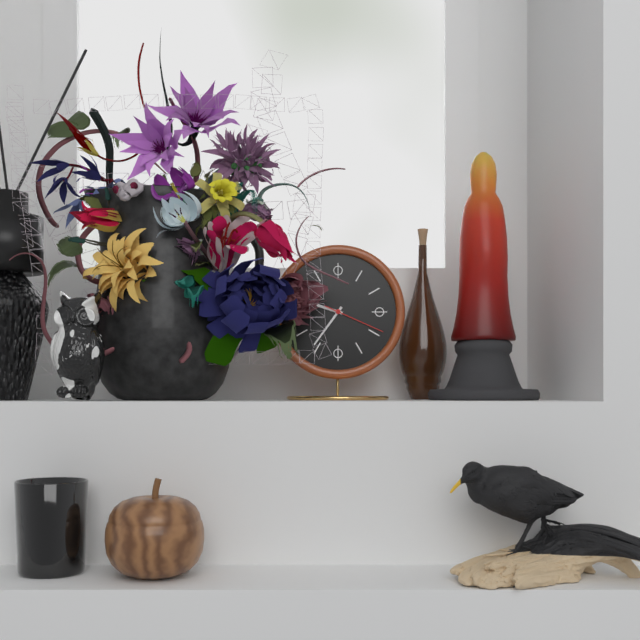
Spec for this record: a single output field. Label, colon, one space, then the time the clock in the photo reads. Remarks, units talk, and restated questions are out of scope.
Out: 9:36:19
